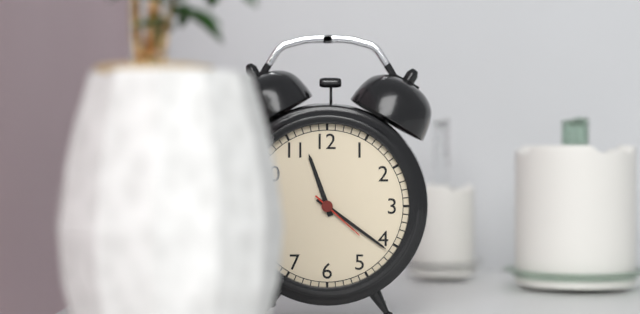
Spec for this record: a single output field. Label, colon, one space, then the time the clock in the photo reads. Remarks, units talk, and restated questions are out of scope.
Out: 11:21:22
